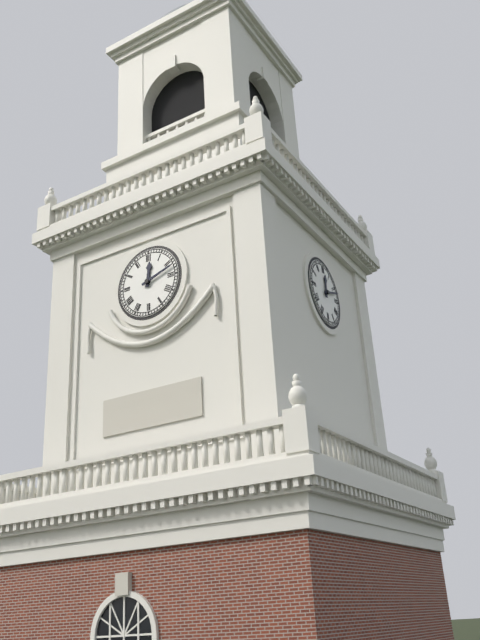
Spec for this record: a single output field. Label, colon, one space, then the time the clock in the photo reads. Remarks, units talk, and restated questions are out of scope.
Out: 12:12
